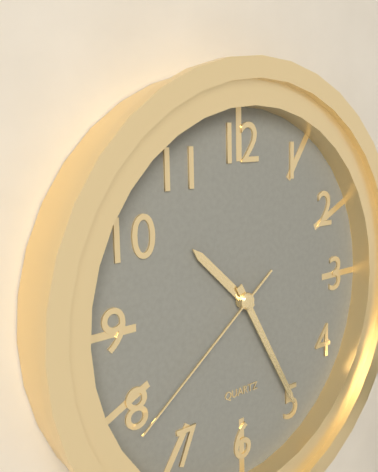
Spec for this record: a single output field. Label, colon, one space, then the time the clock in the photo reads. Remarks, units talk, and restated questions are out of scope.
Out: 10:25:39
